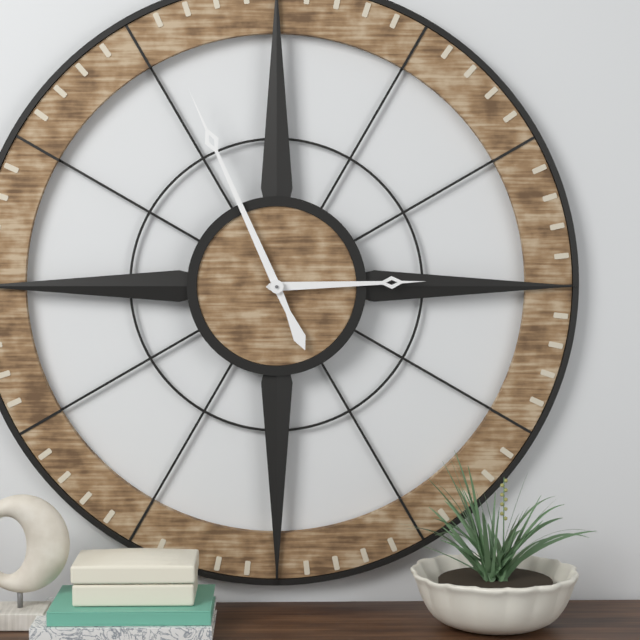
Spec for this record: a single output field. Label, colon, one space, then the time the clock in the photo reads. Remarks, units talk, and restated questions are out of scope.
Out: 2:56
